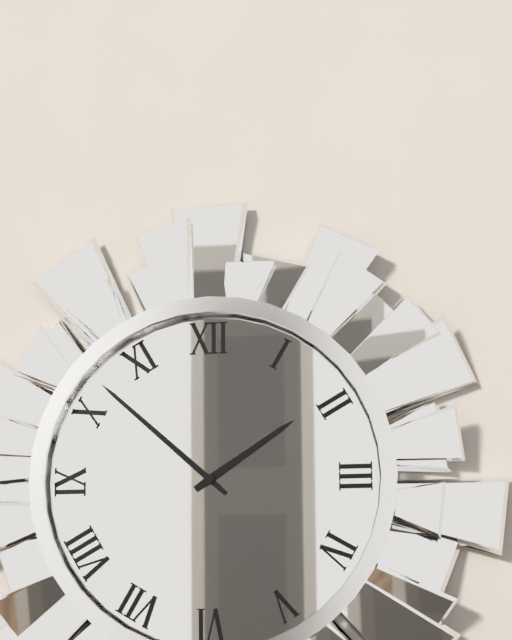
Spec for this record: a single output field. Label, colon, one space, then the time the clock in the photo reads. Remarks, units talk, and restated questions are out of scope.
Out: 1:52
